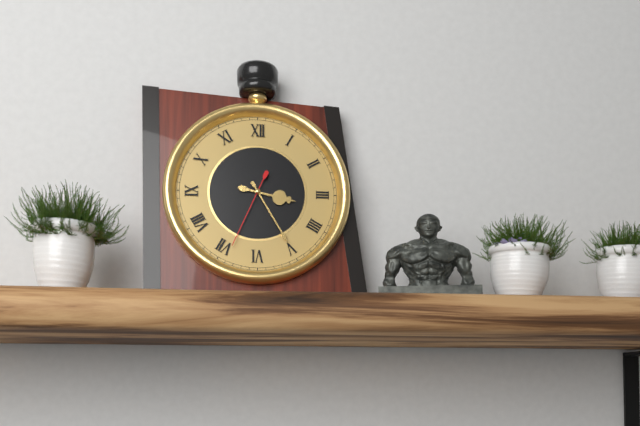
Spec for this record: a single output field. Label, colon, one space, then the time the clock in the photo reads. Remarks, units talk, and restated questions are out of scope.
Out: 3:25:34
